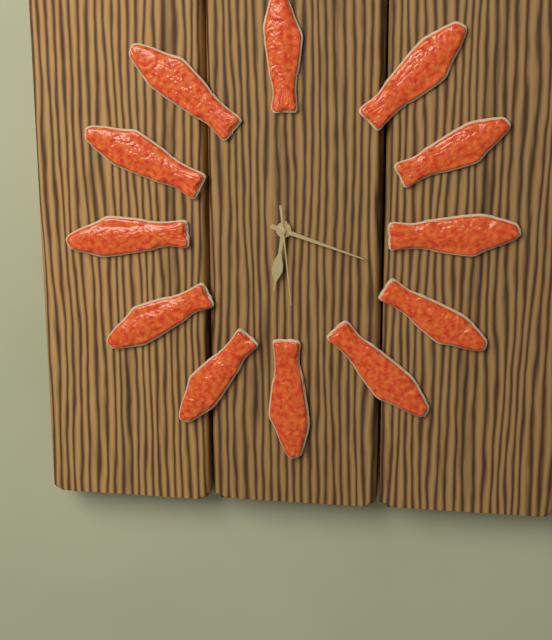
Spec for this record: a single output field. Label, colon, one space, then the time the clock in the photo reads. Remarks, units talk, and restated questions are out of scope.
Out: 6:18:29
